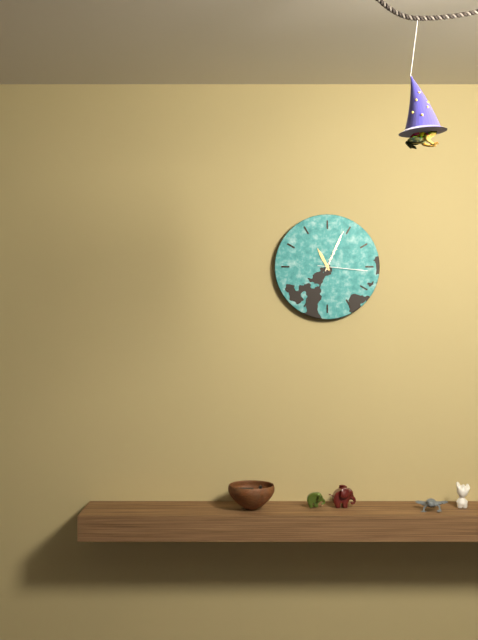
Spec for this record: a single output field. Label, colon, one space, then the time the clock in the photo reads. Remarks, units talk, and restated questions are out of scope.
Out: 11:04:16
